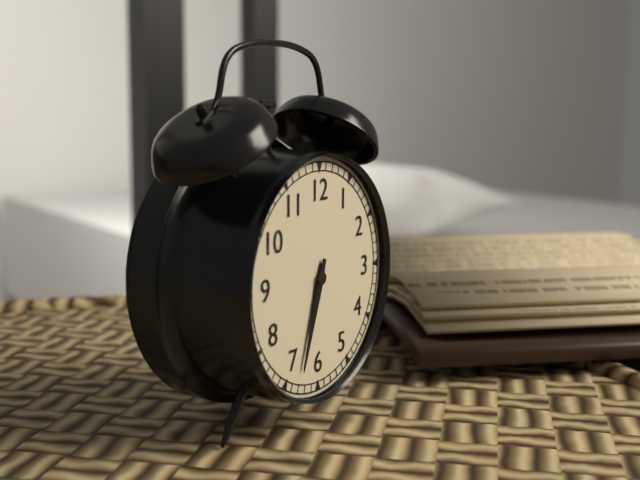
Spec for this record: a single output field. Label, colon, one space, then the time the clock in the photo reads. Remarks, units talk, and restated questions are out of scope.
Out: 6:33
